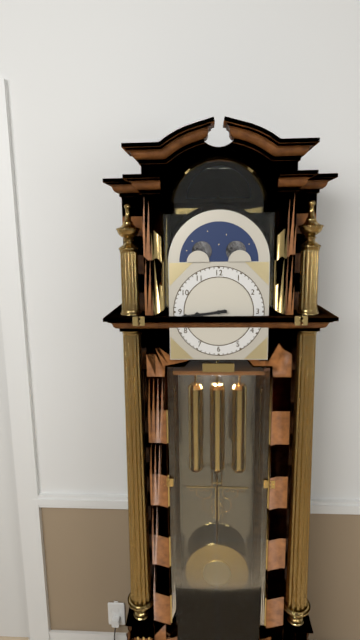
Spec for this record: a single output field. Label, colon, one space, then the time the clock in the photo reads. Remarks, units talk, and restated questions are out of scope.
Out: 8:44
